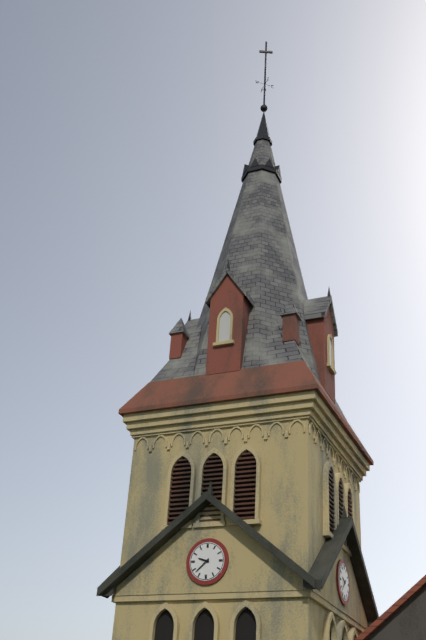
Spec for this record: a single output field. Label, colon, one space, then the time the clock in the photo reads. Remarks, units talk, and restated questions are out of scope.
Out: 9:38
